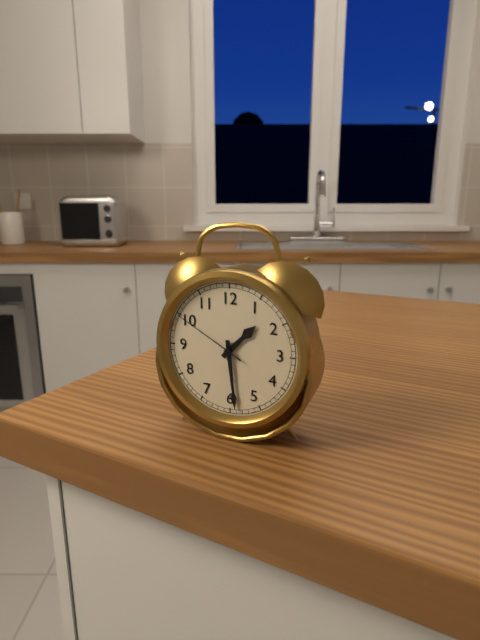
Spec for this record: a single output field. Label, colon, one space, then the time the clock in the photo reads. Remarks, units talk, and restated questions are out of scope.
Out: 1:29:50
